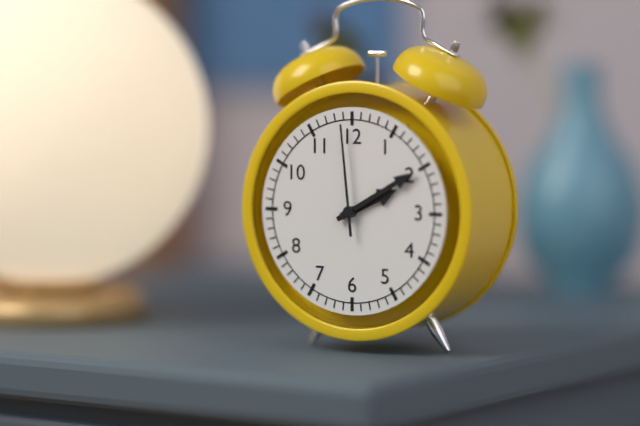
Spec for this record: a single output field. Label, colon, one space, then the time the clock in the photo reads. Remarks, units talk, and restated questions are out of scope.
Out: 2:10:59
